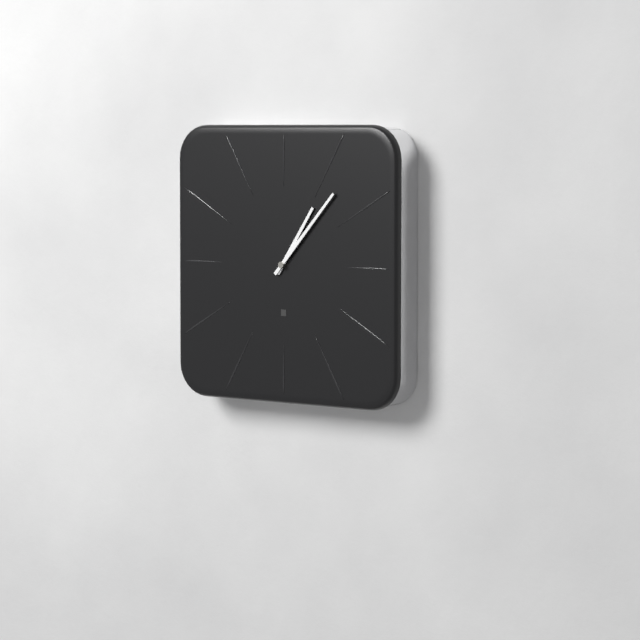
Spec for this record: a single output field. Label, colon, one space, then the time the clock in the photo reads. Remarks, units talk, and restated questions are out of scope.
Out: 1:07
